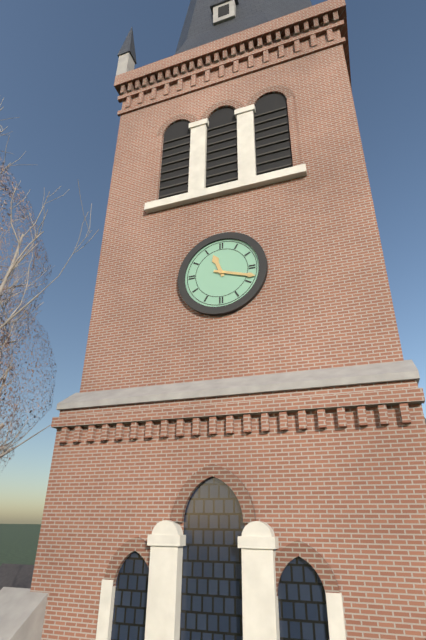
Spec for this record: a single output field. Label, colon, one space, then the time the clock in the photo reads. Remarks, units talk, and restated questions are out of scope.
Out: 11:18
